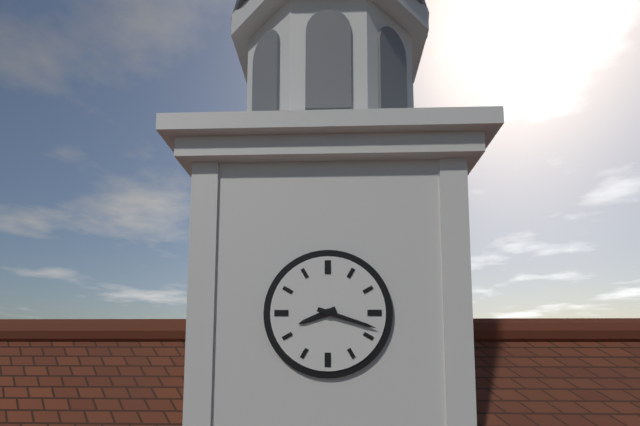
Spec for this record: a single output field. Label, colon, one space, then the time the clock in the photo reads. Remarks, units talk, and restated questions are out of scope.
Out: 8:18
